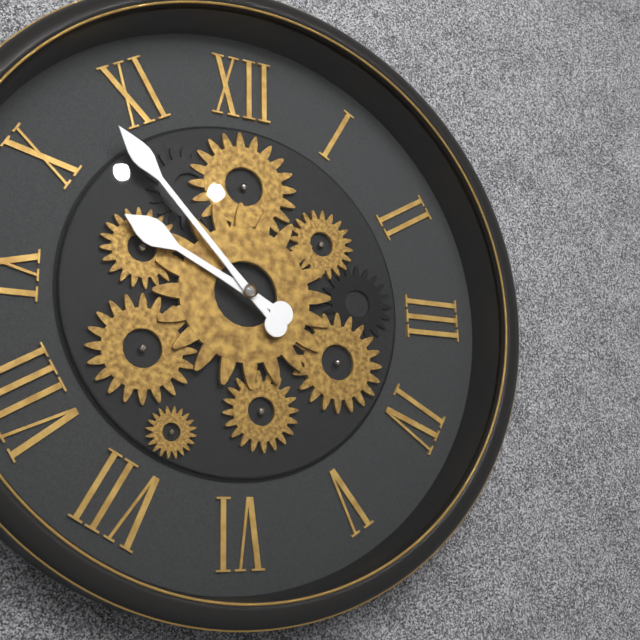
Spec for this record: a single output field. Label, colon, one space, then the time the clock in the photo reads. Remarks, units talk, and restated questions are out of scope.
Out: 9:53
